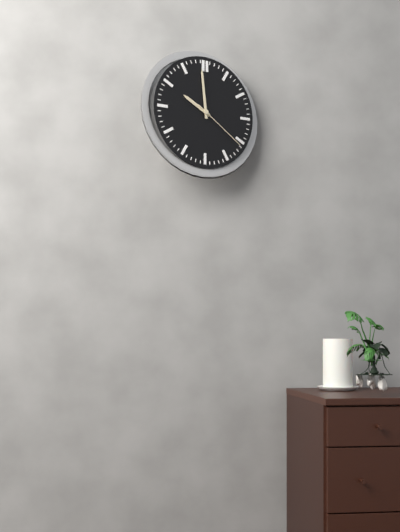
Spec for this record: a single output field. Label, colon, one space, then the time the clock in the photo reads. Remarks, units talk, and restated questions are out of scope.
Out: 9:59:21
